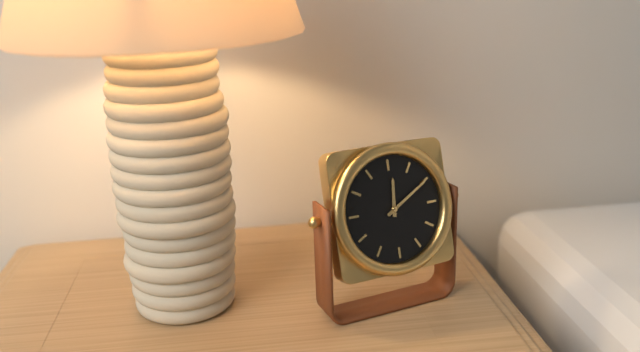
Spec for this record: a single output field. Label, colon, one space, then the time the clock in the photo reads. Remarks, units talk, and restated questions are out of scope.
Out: 12:10
